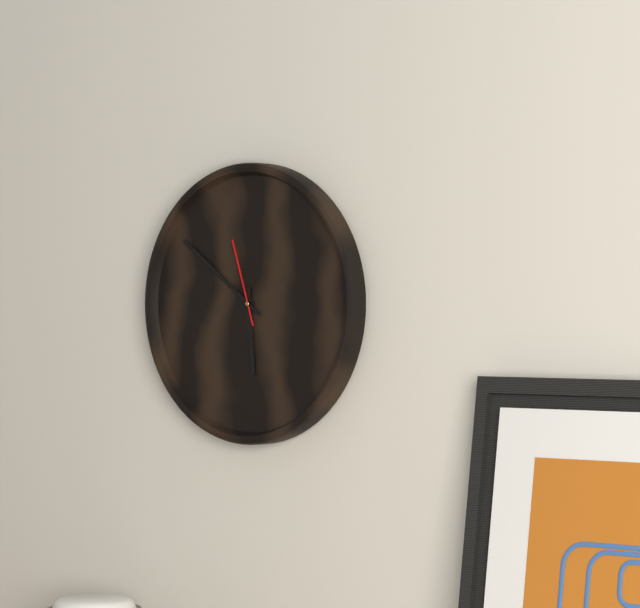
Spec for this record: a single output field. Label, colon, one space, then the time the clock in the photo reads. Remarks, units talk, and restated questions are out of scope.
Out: 5:51:57
